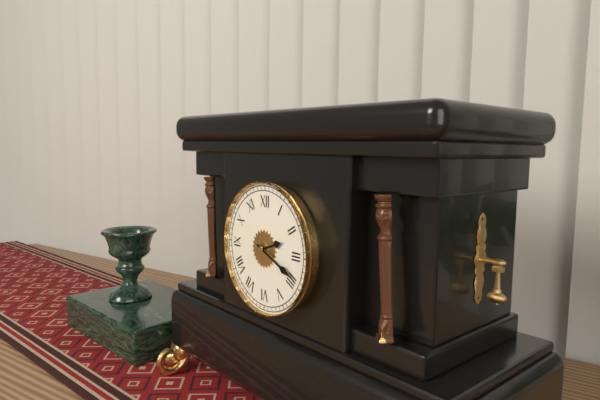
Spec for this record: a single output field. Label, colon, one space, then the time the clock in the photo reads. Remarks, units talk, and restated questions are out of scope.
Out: 2:19
